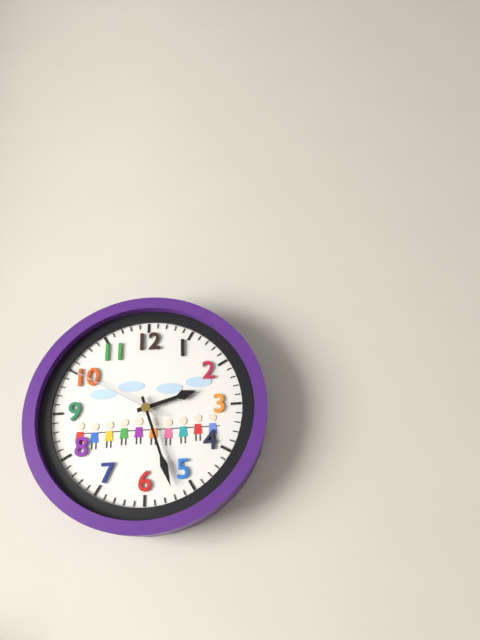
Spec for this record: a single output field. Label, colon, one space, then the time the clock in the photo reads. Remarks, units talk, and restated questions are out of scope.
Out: 2:27:50
